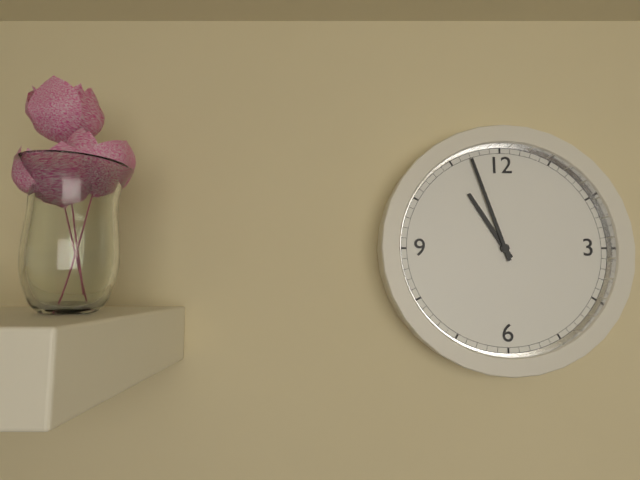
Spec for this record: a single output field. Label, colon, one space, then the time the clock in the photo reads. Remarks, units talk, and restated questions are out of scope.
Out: 10:57
